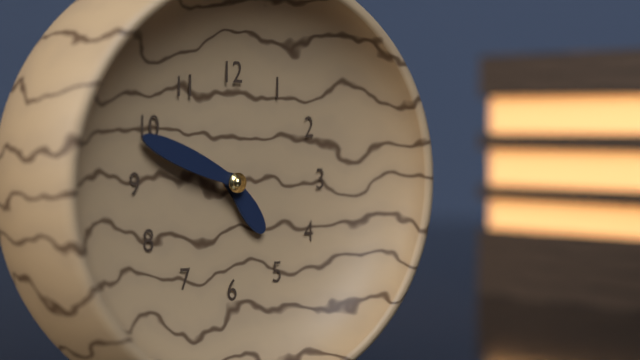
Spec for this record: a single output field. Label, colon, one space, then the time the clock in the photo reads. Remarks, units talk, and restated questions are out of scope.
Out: 4:49
